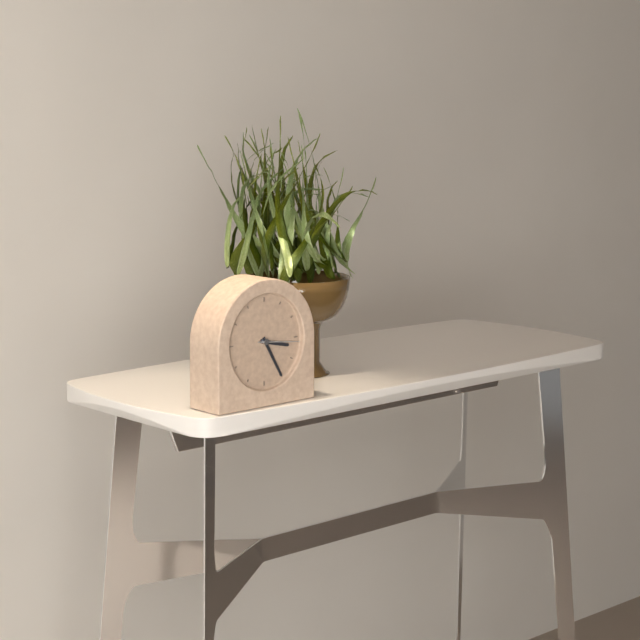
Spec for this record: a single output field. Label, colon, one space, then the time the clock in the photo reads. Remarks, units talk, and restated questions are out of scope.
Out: 3:25
